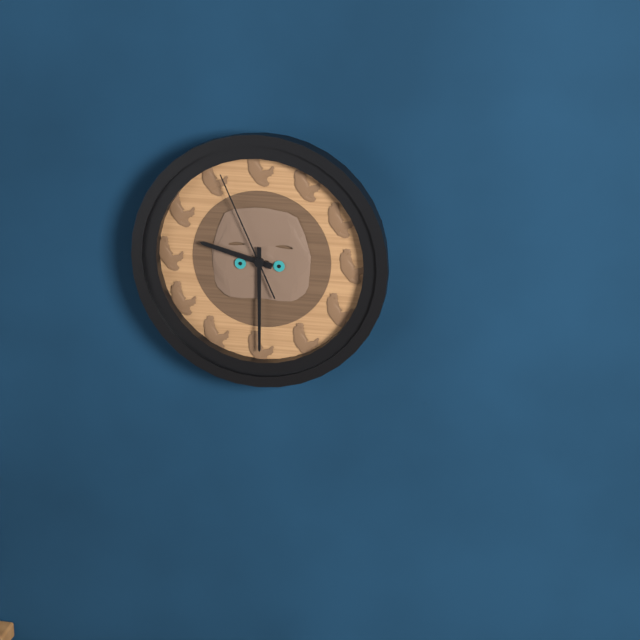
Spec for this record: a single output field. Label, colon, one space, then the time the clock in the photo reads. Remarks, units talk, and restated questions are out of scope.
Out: 9:30:56
